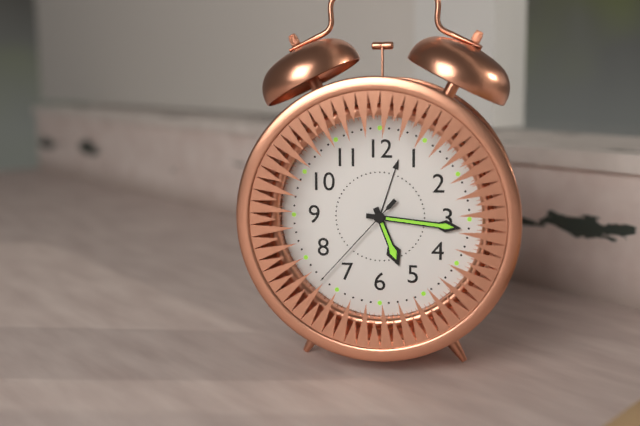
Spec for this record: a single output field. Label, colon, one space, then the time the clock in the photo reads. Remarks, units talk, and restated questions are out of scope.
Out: 5:16:37
